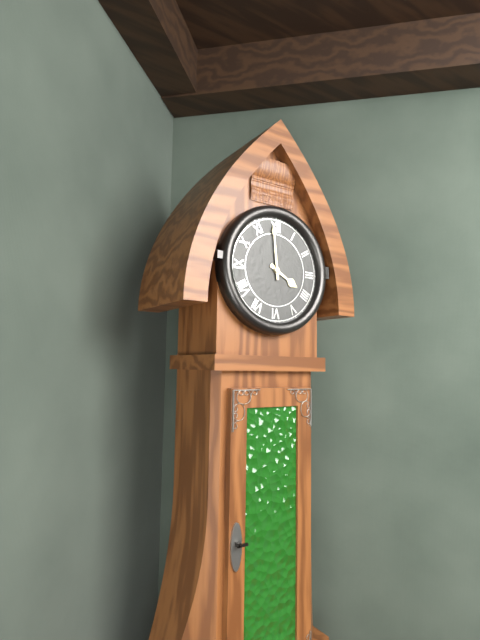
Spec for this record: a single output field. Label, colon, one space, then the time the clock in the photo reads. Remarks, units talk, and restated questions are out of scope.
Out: 3:59
